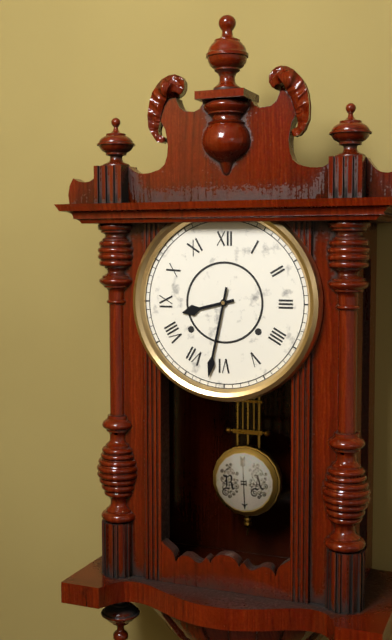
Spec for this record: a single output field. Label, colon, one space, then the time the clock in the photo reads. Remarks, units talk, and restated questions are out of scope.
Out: 8:32
